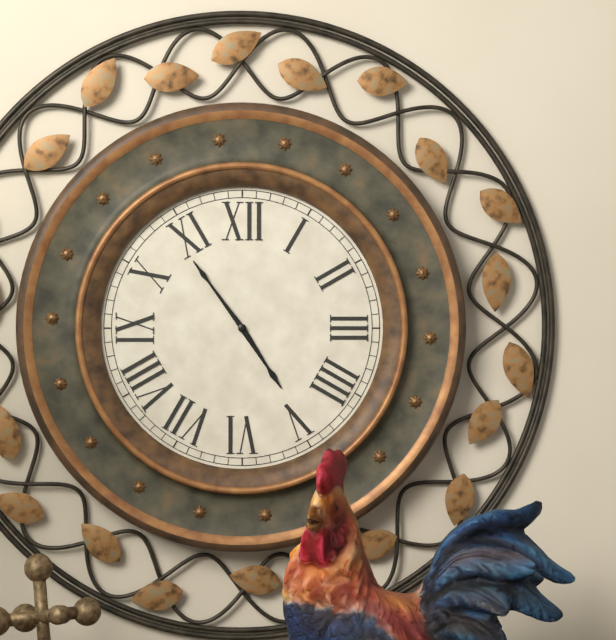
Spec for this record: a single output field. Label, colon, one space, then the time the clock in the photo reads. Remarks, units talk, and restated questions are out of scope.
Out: 4:54
